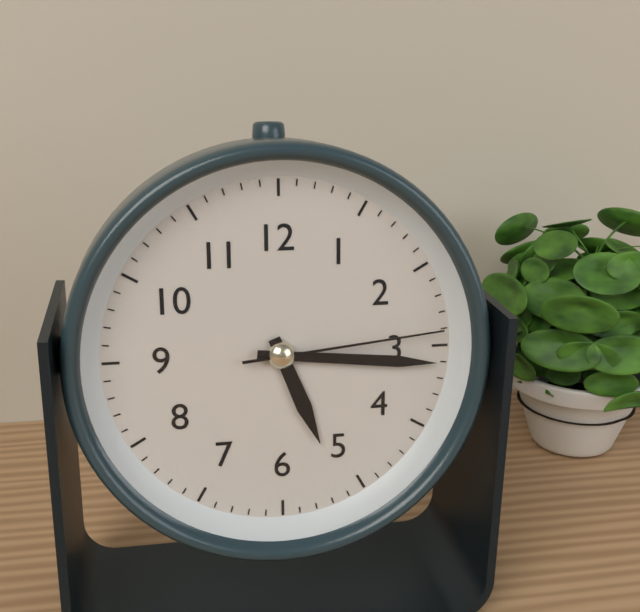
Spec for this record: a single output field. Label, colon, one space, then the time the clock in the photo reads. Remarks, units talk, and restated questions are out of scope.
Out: 5:16:14
